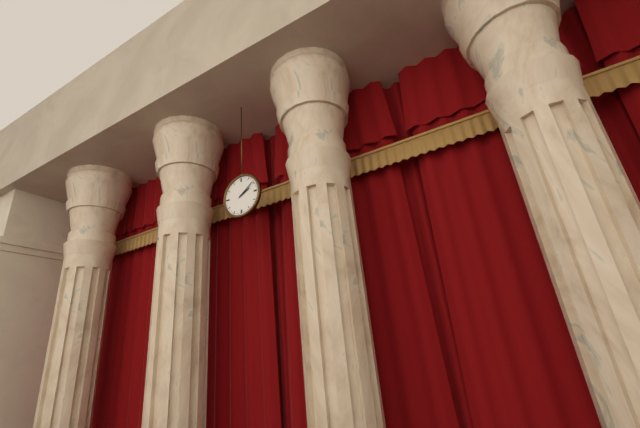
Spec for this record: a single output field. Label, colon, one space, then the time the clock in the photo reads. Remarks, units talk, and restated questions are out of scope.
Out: 2:09
